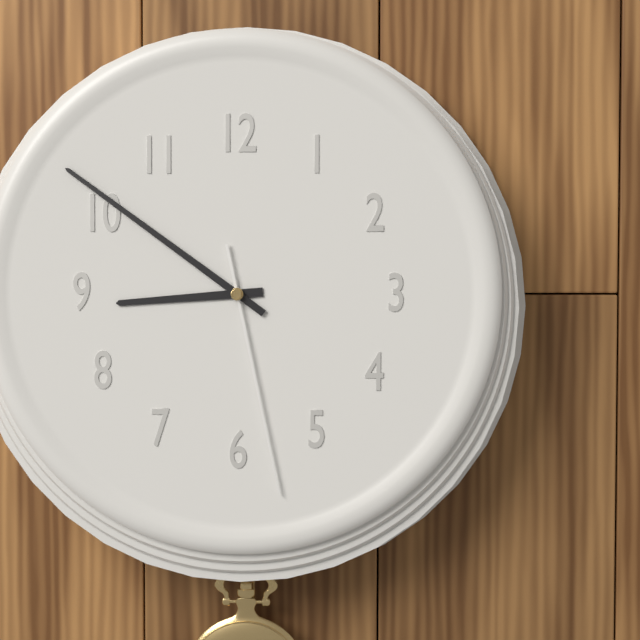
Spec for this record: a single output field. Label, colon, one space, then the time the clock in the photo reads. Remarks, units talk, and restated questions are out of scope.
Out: 8:51:28
